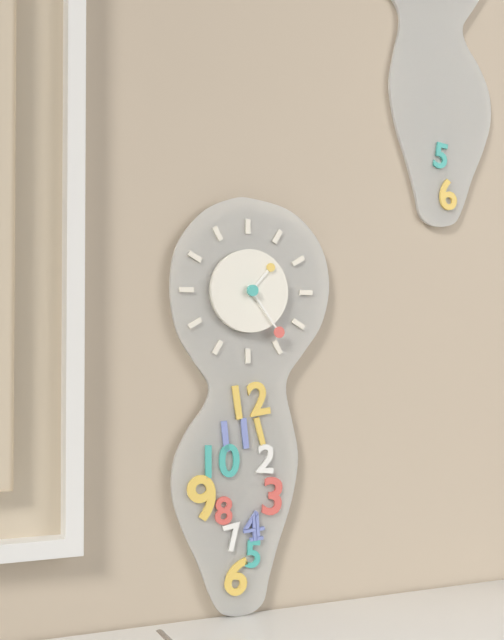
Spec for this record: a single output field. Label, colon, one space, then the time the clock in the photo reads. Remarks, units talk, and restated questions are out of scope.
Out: 1:24
